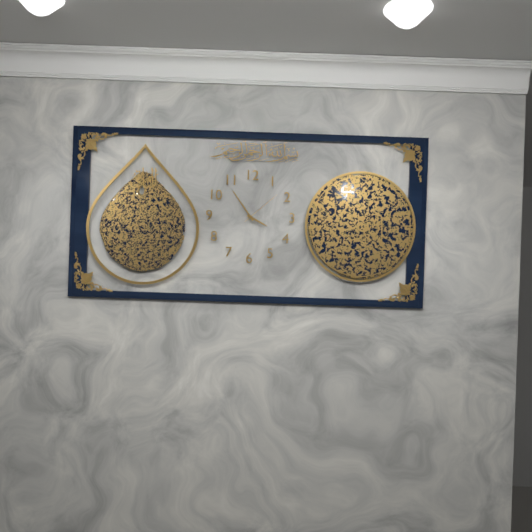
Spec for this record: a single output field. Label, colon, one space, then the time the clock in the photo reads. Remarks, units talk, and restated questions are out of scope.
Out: 3:54
